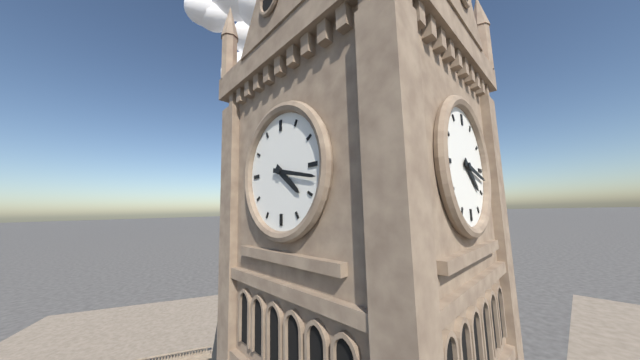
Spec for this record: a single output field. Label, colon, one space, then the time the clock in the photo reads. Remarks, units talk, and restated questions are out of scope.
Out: 4:17
